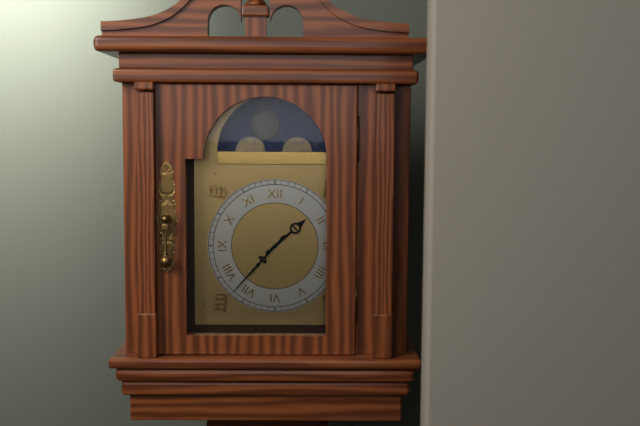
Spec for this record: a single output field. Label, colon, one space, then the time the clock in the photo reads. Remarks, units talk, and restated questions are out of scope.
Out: 1:37
